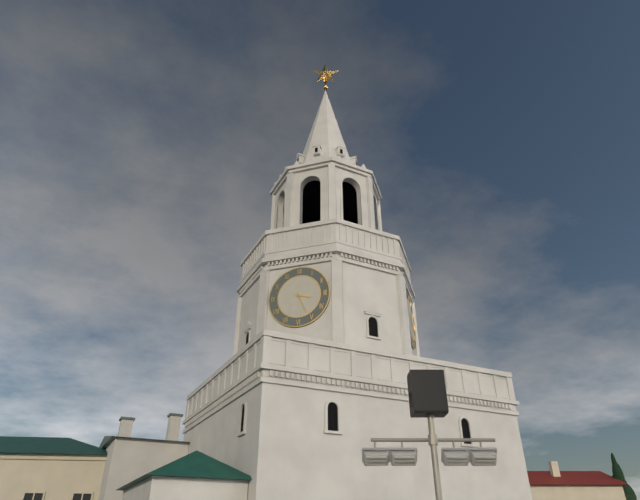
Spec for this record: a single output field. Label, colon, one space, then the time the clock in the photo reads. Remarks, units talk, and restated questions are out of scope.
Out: 3:26
